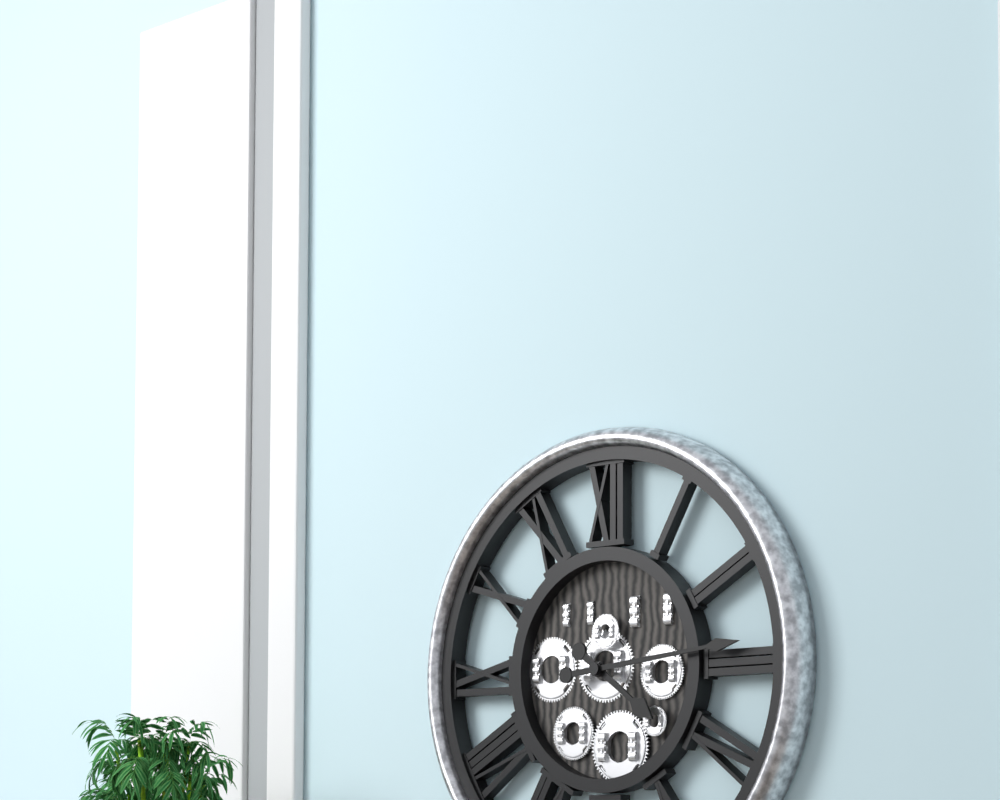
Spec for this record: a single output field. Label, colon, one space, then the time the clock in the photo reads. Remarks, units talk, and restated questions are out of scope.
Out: 4:14
